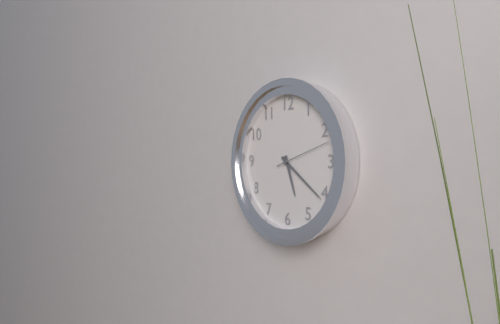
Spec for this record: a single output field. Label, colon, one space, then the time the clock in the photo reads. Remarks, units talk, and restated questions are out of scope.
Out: 5:21:12
